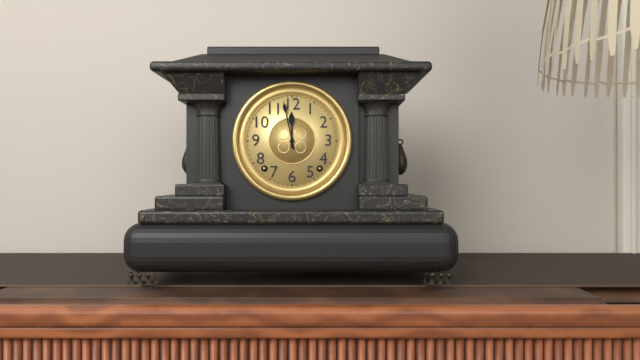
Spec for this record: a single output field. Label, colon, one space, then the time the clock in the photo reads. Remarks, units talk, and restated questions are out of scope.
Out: 11:58
